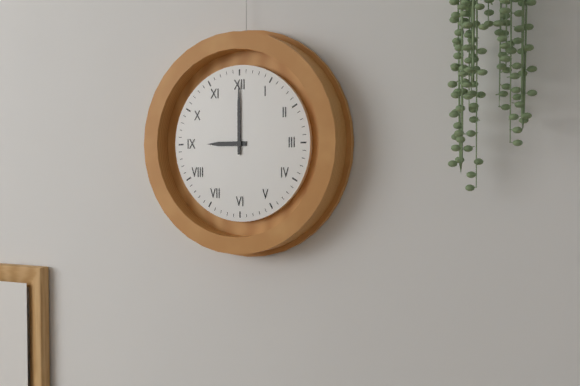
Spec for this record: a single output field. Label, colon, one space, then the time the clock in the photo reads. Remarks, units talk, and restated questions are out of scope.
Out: 9:00
